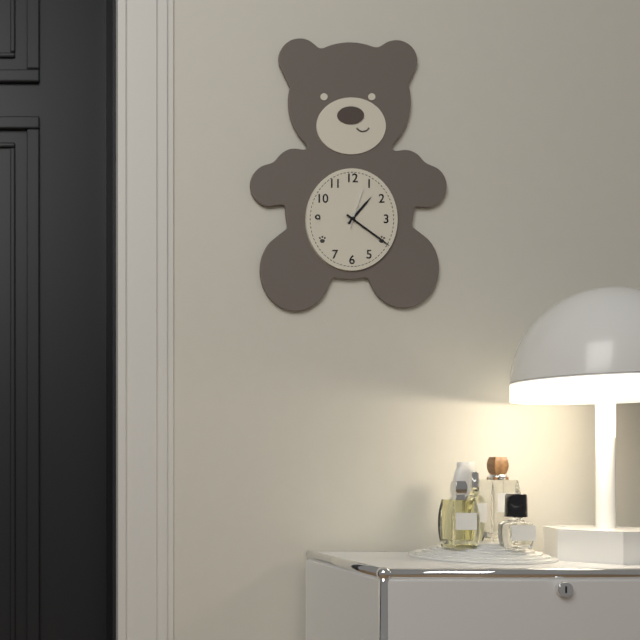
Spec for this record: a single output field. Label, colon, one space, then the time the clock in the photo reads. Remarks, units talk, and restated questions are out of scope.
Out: 1:21
